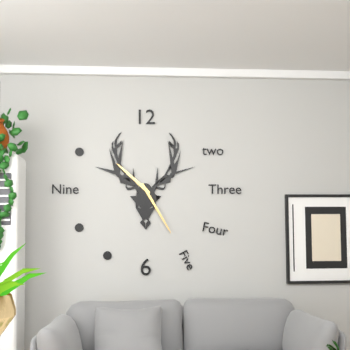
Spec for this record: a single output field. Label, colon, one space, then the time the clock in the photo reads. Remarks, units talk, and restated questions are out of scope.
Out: 10:25
